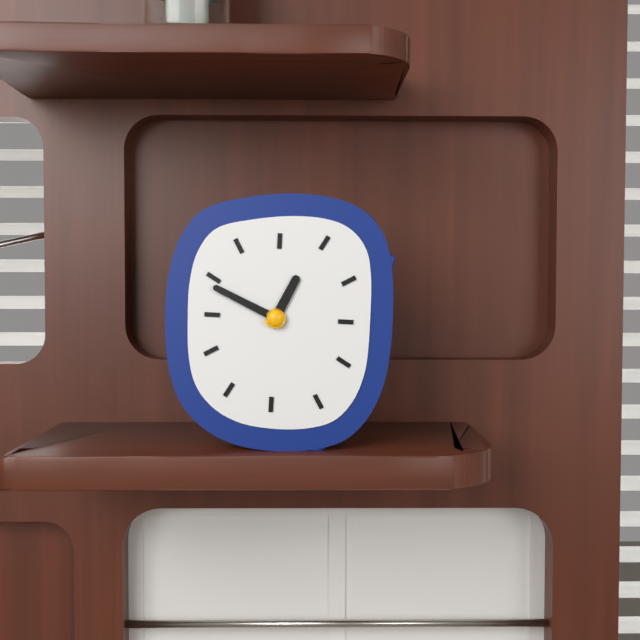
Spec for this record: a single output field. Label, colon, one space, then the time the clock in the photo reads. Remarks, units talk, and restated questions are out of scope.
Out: 12:49
